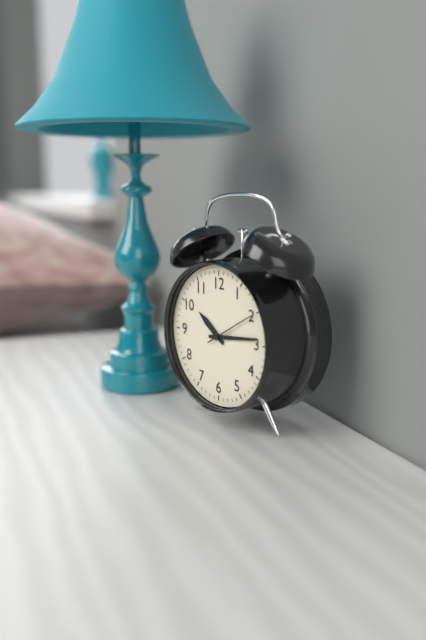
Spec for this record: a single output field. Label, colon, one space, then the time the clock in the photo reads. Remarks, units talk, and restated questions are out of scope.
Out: 10:14:10
